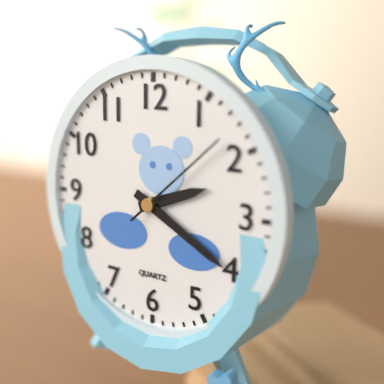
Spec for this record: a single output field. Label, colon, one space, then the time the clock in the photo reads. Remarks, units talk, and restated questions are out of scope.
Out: 2:20:08
